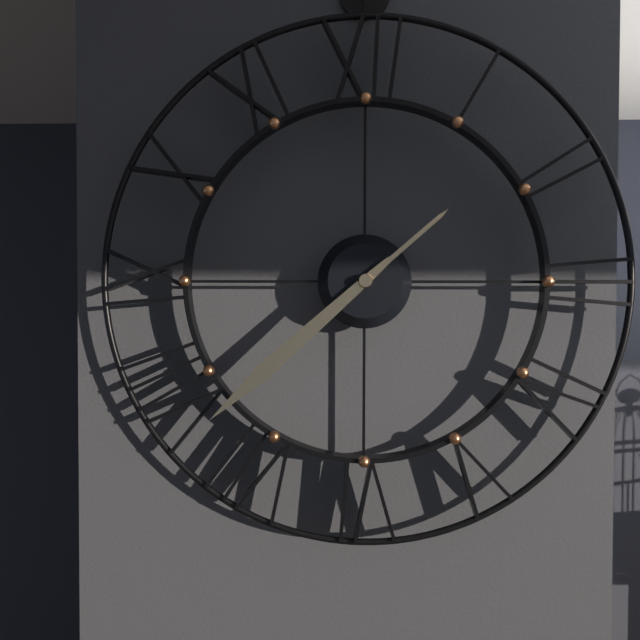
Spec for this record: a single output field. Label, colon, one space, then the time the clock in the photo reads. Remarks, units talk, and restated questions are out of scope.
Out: 1:38
